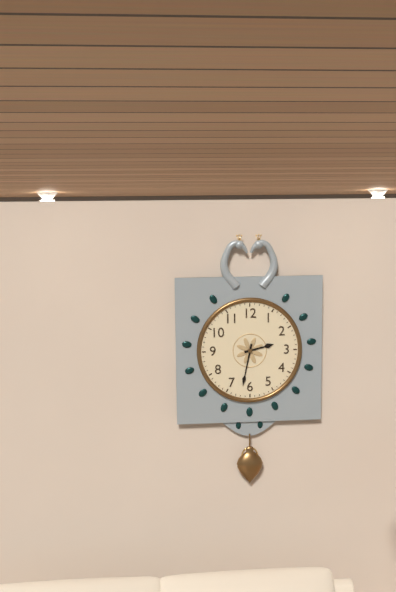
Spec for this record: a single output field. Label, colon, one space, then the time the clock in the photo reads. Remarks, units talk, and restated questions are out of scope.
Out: 2:32
